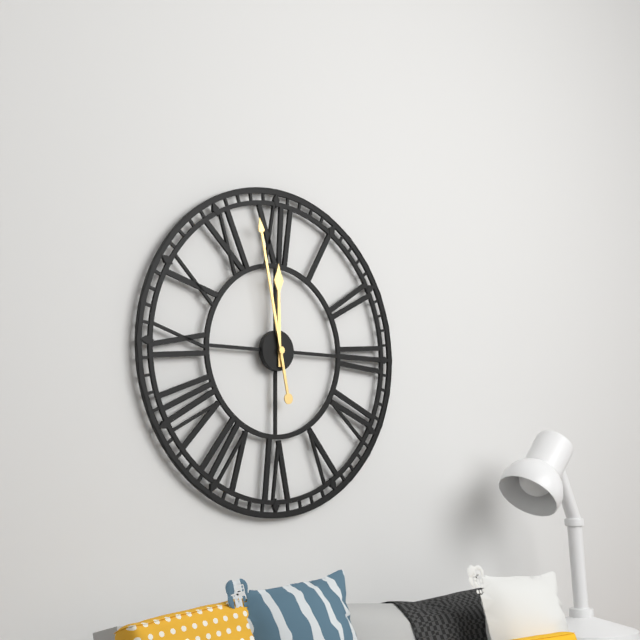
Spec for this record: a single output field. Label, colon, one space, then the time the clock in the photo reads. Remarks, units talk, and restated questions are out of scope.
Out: 11:58
